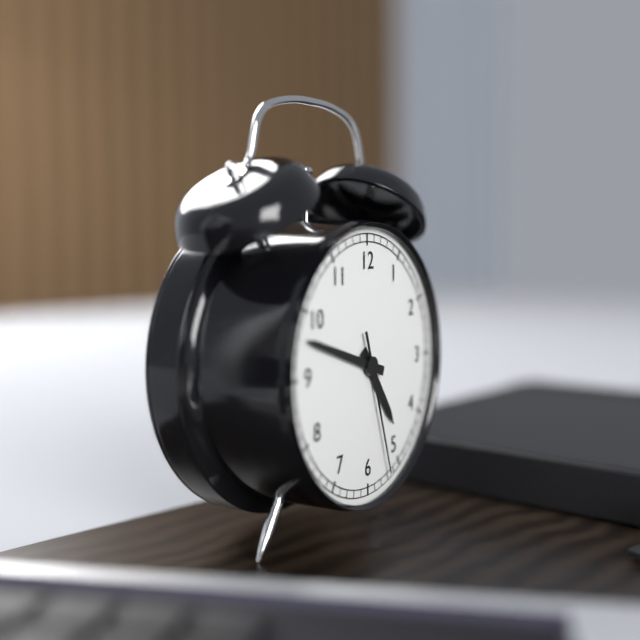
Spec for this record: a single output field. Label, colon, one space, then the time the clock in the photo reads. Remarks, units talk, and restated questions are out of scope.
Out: 4:48:27
